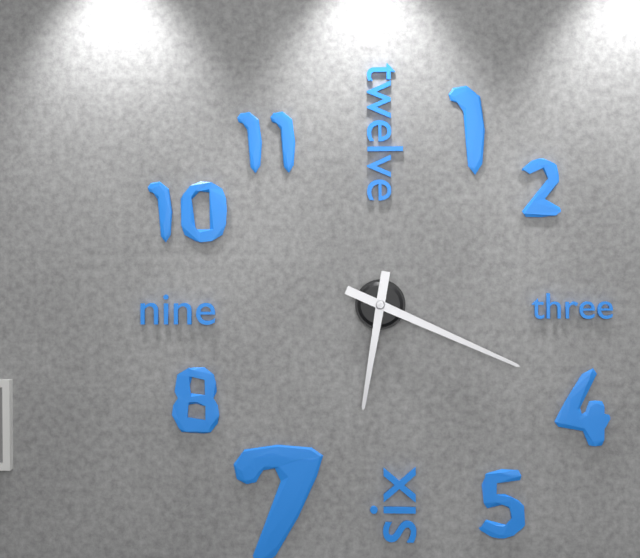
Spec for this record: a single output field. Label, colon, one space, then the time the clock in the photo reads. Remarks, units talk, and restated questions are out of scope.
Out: 6:19
